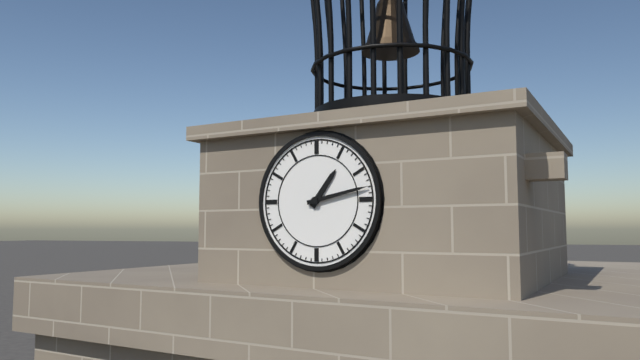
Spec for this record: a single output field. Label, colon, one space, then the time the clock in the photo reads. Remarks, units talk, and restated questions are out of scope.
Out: 1:13
